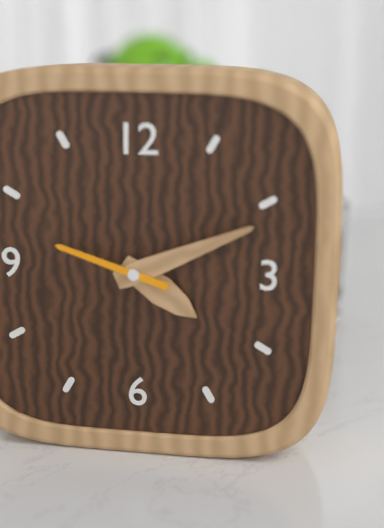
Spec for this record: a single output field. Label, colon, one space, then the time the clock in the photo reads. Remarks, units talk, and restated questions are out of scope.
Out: 4:11:48
